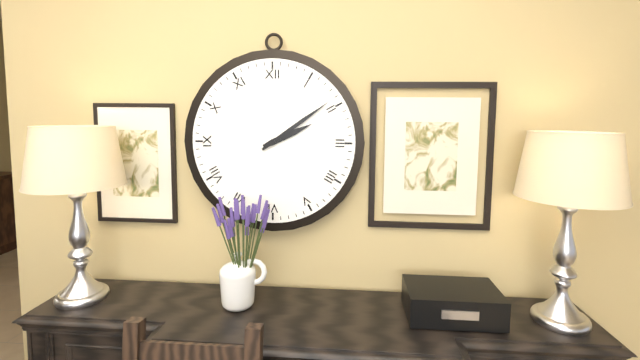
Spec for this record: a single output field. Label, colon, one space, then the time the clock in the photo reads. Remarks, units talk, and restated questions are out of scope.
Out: 2:09
